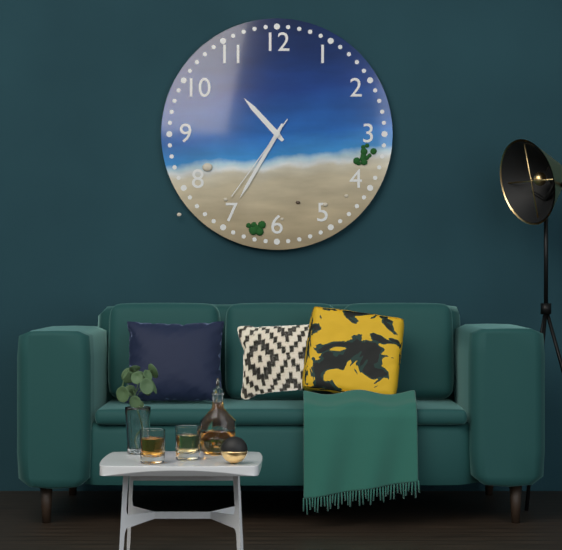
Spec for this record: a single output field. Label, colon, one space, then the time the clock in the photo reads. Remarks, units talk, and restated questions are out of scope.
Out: 10:35:36
